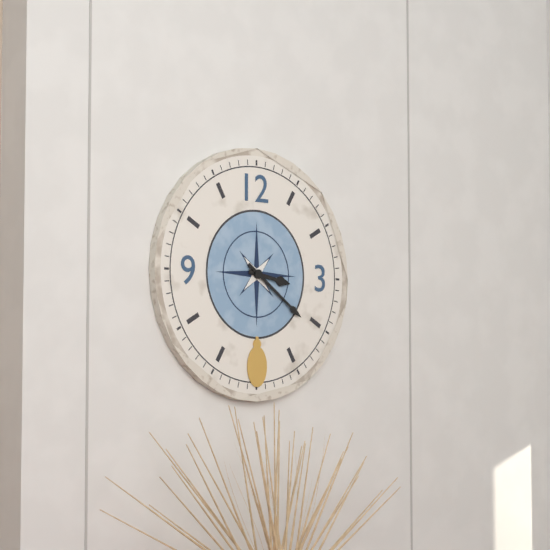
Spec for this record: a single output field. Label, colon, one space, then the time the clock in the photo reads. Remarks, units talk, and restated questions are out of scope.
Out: 3:21
